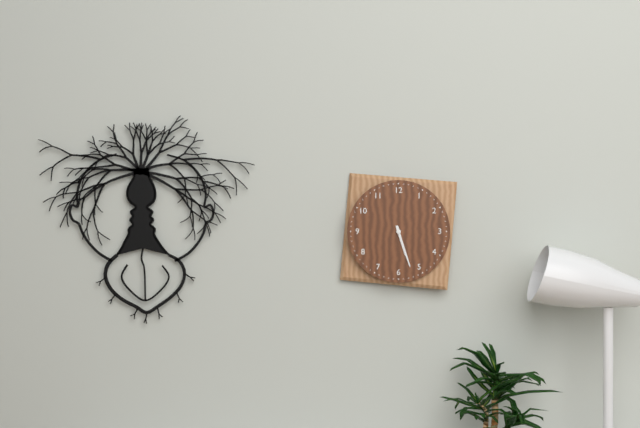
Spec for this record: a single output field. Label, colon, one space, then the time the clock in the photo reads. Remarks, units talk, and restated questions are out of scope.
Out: 5:27
